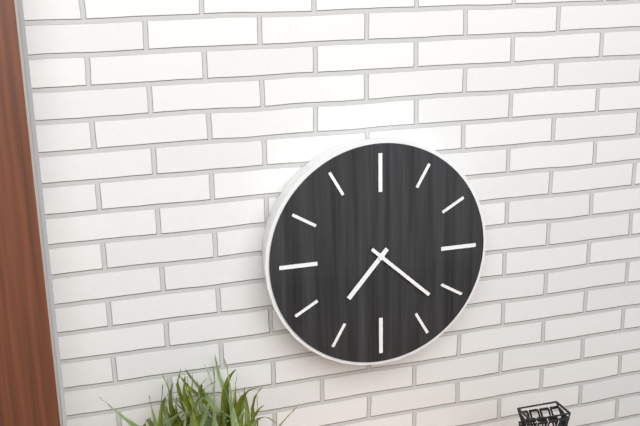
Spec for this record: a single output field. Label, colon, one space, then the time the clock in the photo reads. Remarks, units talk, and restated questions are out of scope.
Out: 7:22
